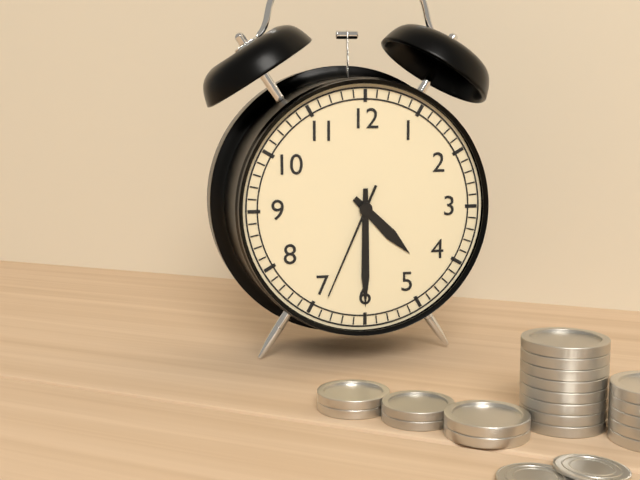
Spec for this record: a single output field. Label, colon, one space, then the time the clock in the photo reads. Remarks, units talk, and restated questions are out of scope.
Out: 4:30:34
